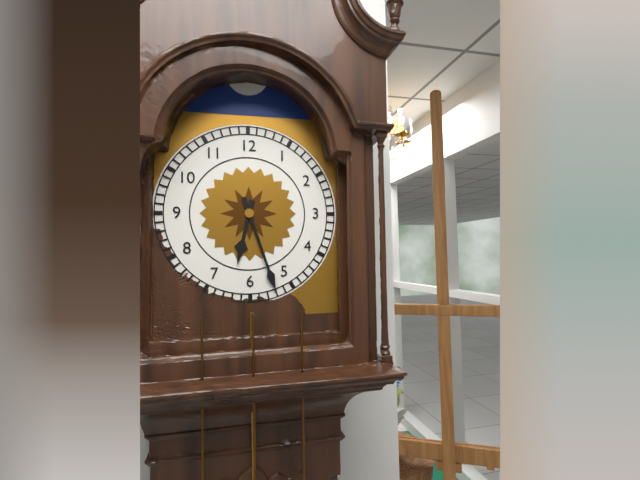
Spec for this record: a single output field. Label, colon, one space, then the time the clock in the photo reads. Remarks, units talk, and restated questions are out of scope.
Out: 6:27
